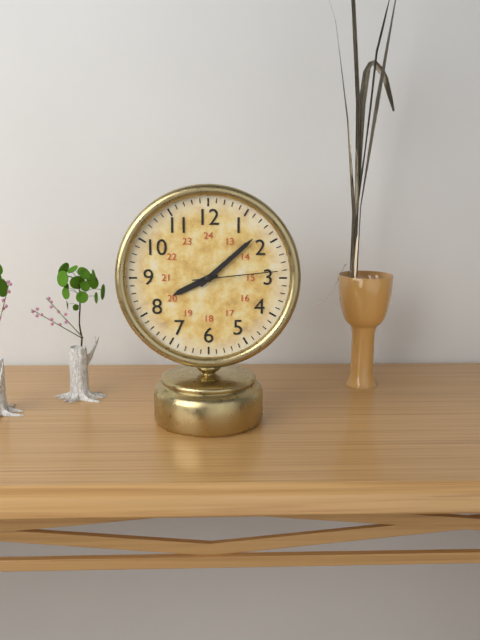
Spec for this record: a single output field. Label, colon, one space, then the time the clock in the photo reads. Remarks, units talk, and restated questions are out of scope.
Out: 8:08:14
